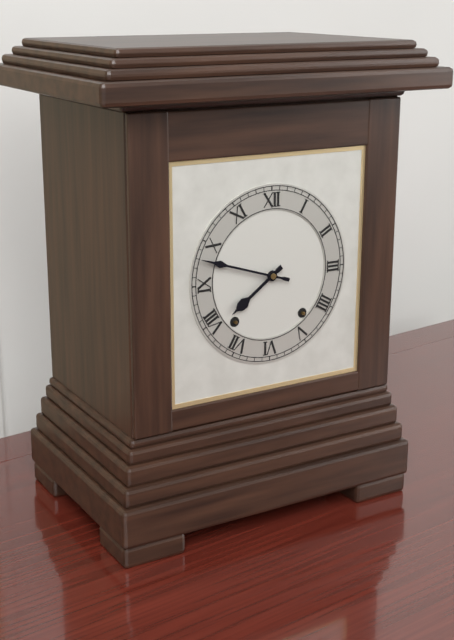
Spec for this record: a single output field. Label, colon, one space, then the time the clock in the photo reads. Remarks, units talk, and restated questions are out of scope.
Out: 7:48
